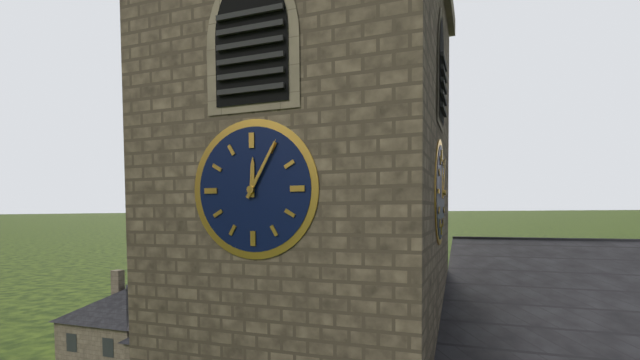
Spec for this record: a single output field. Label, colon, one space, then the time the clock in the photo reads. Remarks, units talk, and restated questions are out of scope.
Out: 12:05
